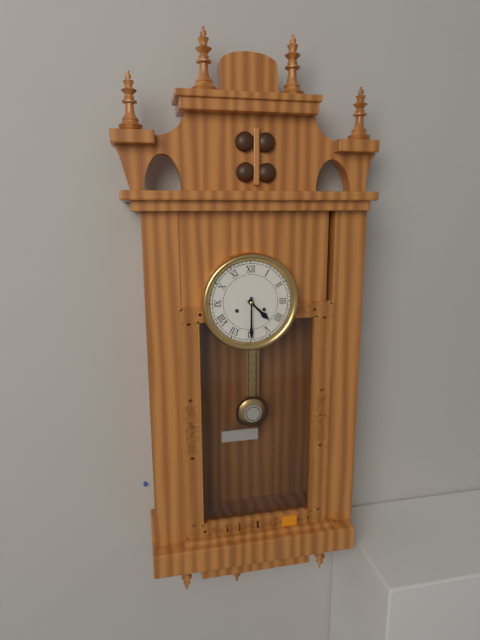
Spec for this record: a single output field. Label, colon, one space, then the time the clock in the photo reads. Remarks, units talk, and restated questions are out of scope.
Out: 4:30
